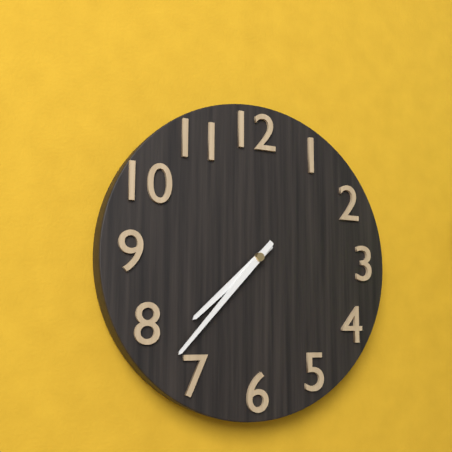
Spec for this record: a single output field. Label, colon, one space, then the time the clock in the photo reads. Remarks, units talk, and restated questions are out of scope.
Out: 7:37
